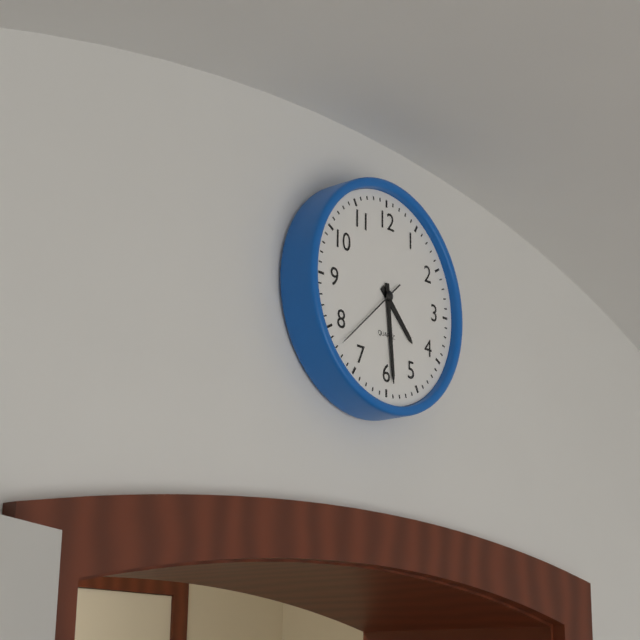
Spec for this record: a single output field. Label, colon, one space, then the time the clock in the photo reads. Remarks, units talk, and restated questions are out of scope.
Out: 4:29:38
